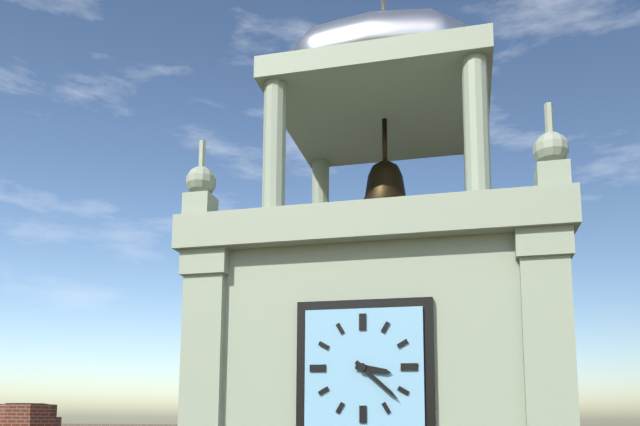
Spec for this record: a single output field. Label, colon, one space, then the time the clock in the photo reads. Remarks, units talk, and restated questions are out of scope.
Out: 3:22
